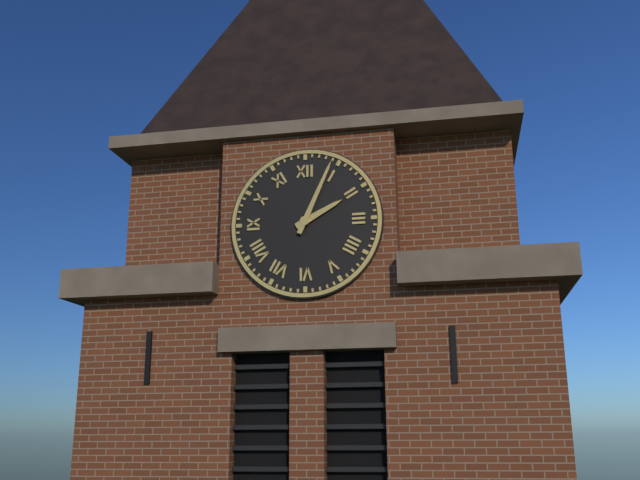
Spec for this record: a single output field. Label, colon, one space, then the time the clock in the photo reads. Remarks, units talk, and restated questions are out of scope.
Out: 2:04
